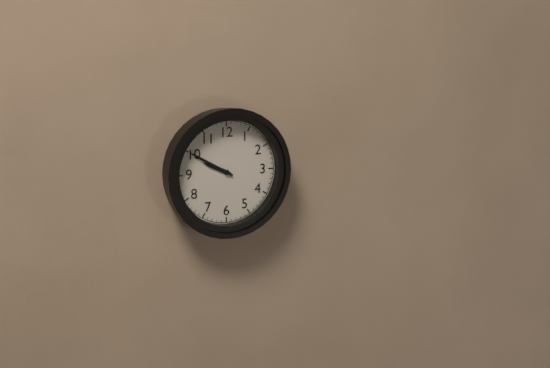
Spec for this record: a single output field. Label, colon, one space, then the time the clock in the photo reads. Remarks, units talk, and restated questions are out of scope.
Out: 9:50
